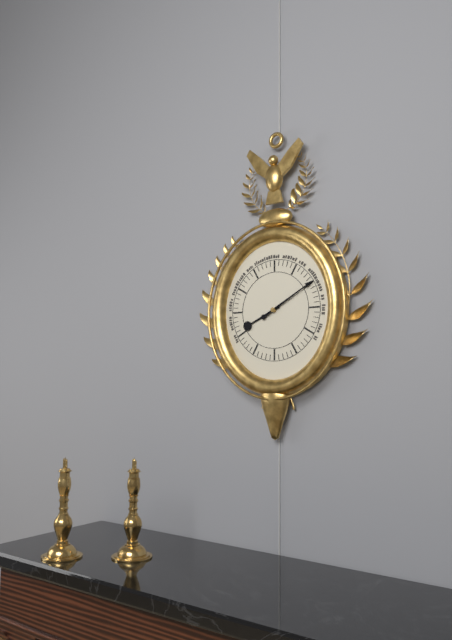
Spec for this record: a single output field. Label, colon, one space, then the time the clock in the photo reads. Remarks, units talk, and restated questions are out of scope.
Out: 8:10
